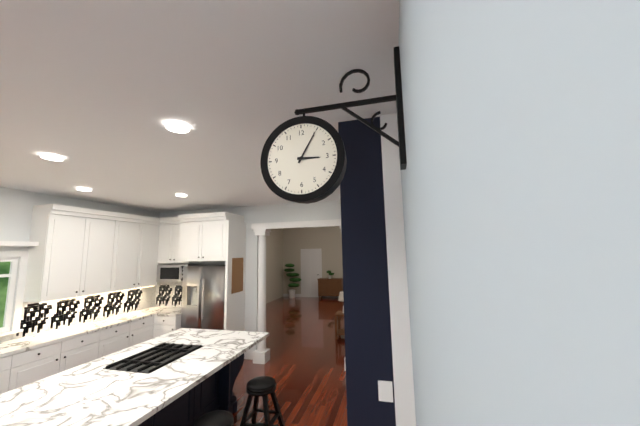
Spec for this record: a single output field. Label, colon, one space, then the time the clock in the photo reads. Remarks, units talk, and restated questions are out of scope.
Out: 3:05
